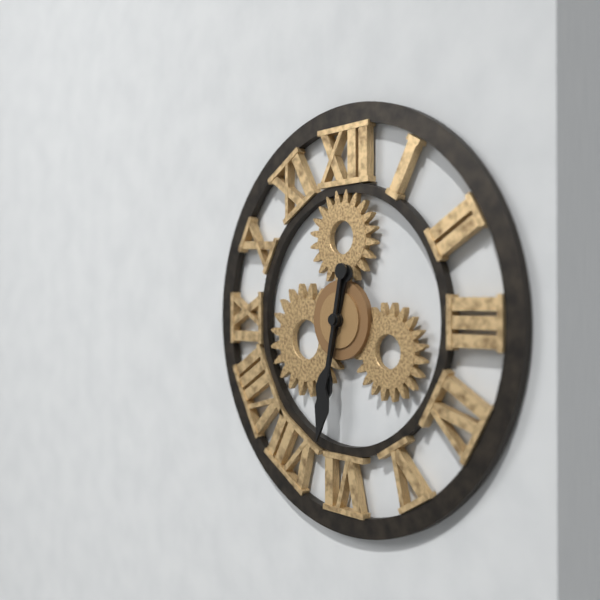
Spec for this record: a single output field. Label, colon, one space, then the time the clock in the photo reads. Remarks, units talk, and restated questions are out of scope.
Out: 6:32
